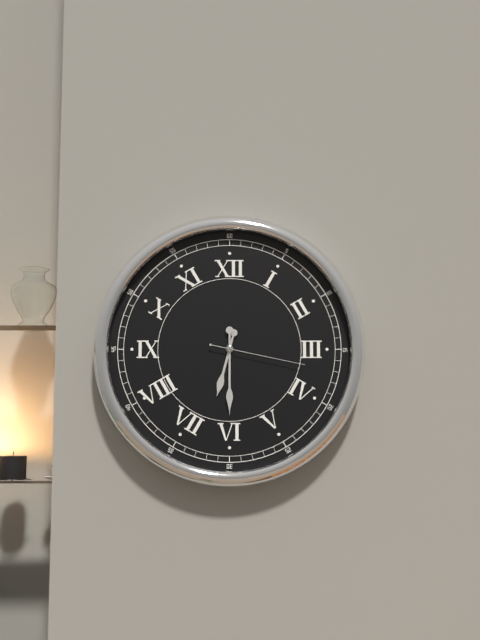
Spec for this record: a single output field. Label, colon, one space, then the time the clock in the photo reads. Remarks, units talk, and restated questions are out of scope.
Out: 6:30:17
